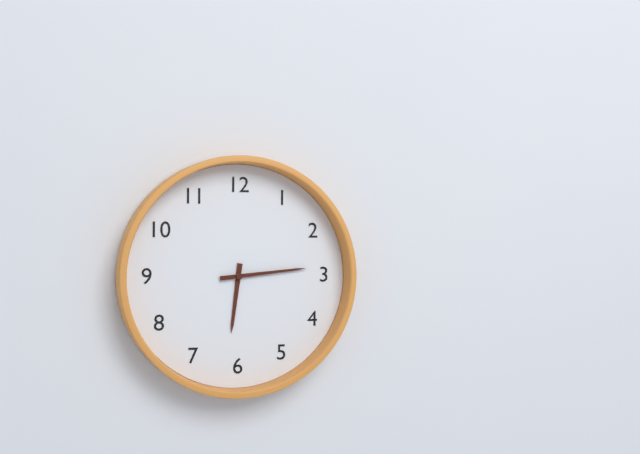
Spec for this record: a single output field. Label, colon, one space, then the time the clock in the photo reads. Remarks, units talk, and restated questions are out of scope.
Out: 6:14
